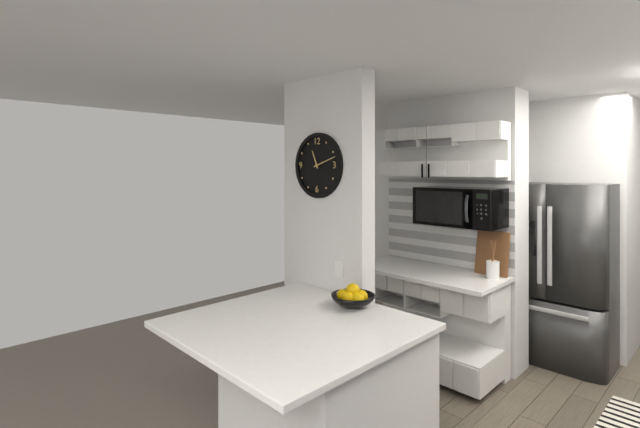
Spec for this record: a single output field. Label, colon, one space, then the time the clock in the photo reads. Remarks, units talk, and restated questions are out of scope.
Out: 11:12
